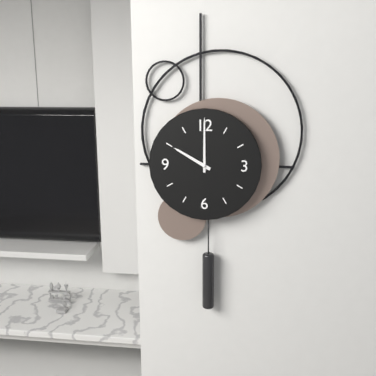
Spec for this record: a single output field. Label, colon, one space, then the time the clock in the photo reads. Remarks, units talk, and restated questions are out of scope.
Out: 10:00
